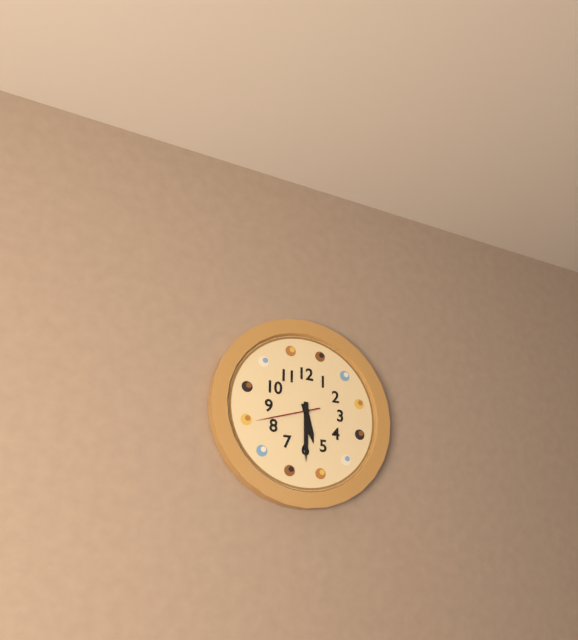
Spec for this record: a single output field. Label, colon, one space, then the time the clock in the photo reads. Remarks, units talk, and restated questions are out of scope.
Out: 5:30:42
